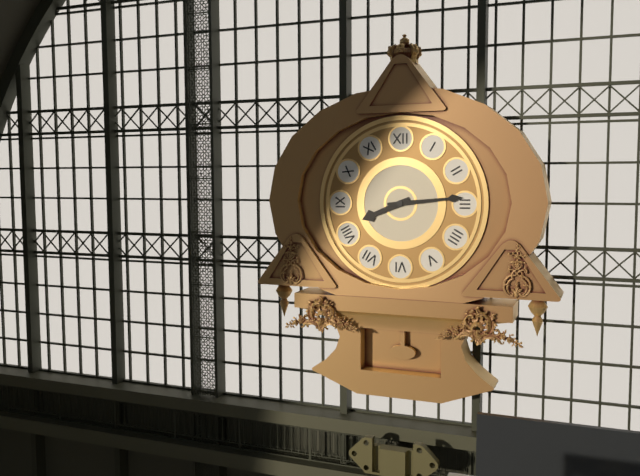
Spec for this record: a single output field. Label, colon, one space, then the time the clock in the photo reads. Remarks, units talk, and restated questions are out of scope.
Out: 8:14
